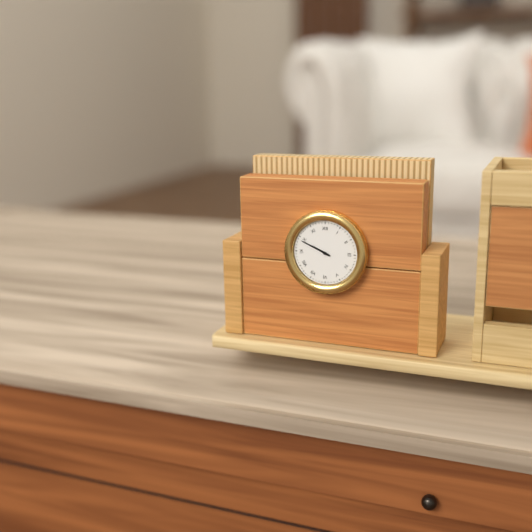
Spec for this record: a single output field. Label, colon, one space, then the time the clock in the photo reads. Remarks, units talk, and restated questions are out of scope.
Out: 9:49
